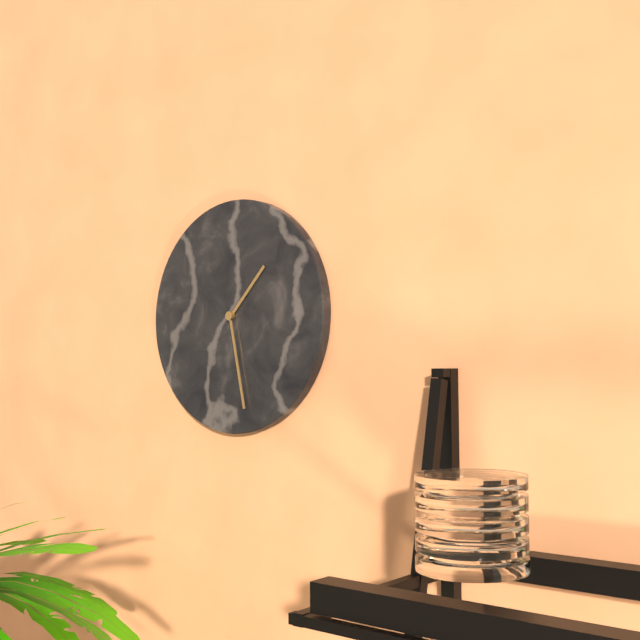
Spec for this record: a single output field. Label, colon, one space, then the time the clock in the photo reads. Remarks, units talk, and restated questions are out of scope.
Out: 1:28
